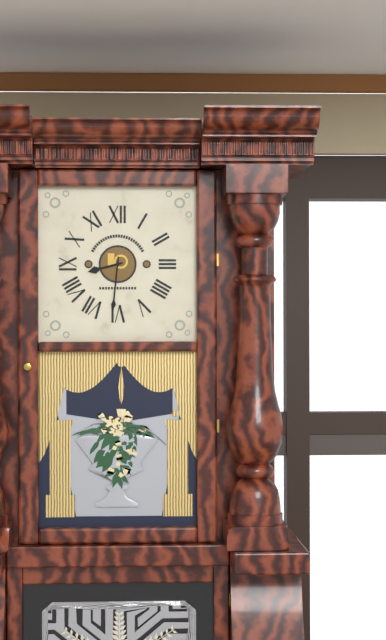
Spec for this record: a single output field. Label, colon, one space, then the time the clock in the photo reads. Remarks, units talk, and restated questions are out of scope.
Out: 8:31
